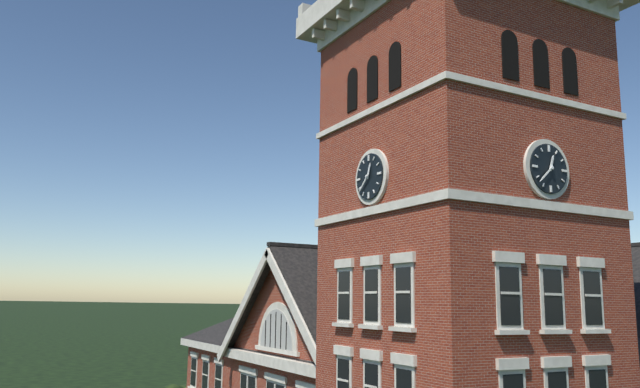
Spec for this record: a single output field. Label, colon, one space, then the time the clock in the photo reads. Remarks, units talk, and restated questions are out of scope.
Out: 12:38
